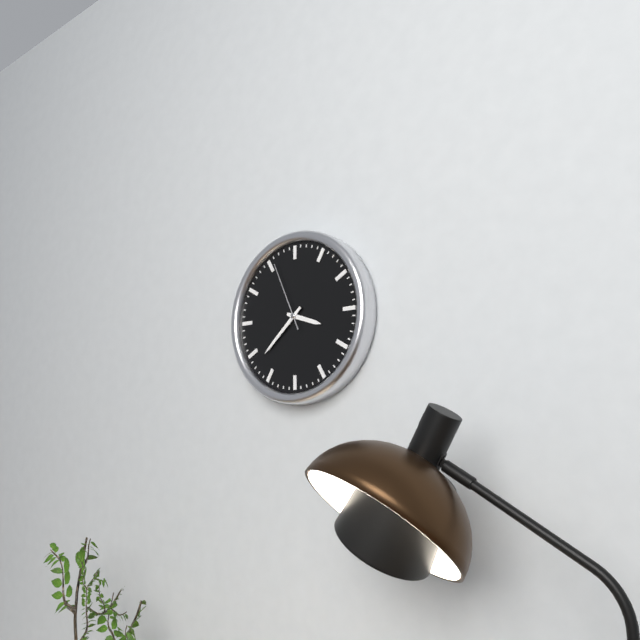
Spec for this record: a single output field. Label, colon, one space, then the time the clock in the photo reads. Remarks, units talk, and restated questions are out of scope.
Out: 3:38:56
